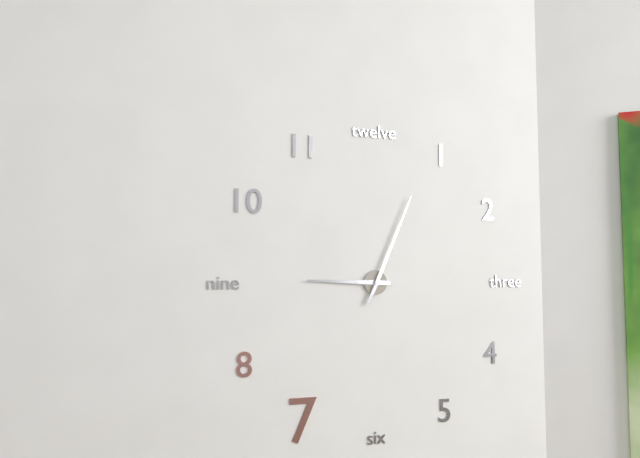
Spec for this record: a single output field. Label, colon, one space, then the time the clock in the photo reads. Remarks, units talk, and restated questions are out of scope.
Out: 9:04
